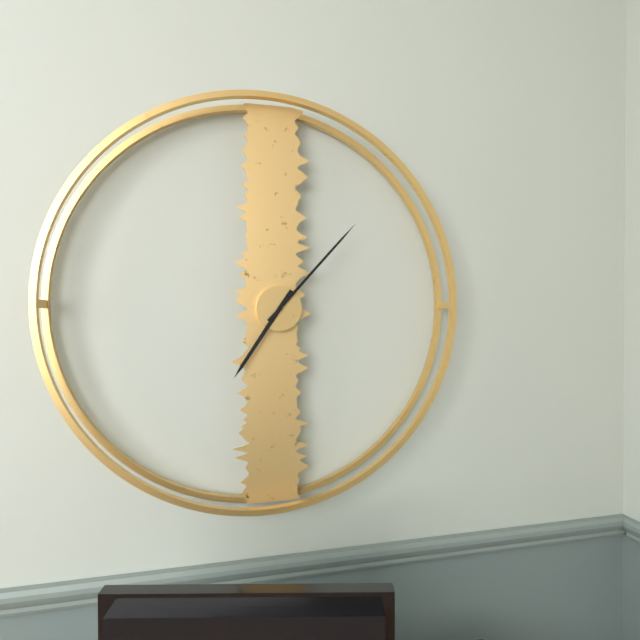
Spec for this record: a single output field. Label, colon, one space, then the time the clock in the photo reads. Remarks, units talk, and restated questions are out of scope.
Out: 7:07
